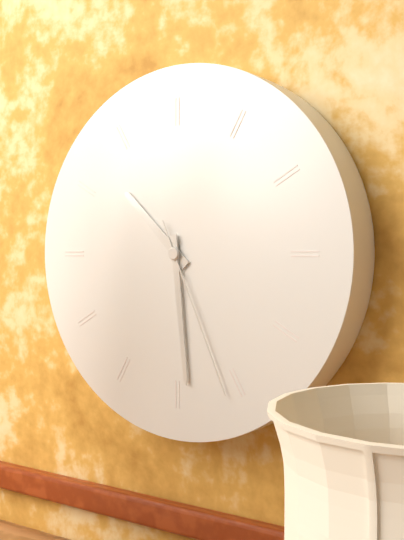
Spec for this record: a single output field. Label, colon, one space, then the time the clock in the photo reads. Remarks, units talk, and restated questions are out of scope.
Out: 10:29:26
